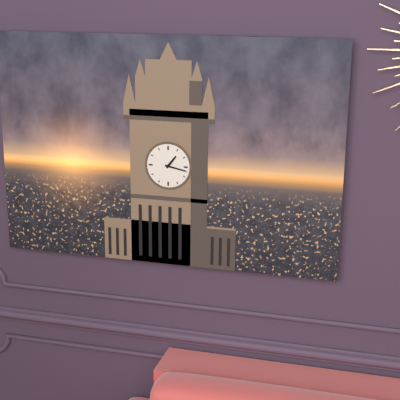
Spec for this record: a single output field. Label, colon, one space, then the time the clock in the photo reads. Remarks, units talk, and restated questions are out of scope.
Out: 1:17
